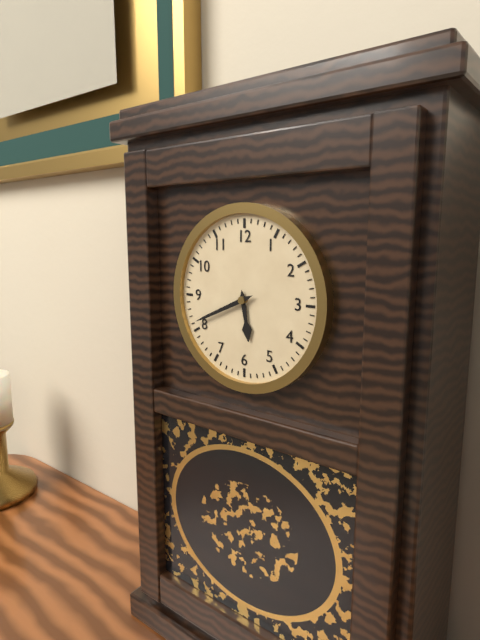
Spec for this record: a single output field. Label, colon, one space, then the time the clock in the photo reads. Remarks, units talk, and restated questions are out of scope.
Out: 5:41
